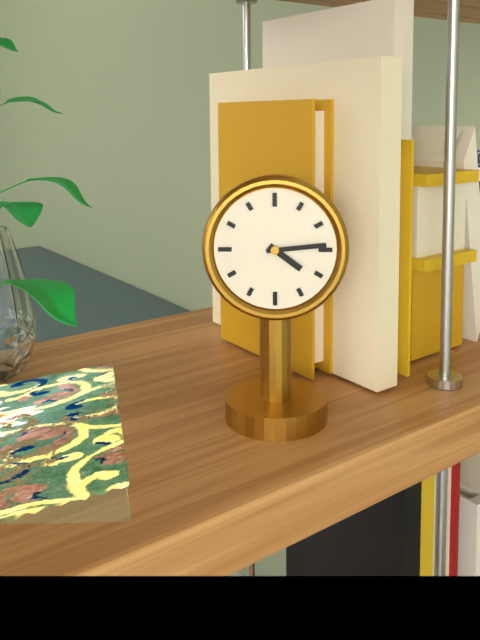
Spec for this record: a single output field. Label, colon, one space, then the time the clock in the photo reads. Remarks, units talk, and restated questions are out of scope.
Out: 4:14
